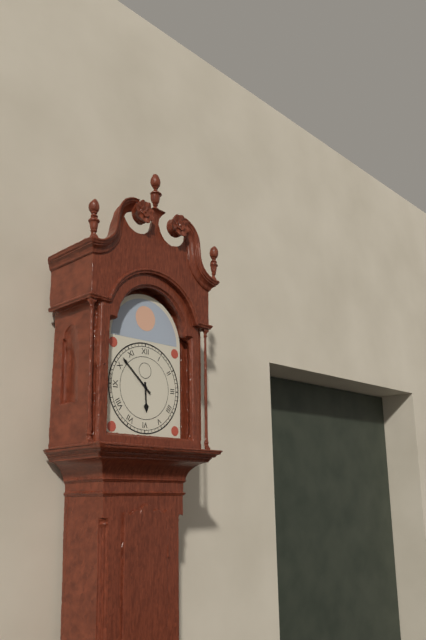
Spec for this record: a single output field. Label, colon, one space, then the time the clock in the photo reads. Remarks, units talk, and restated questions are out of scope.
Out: 5:52
